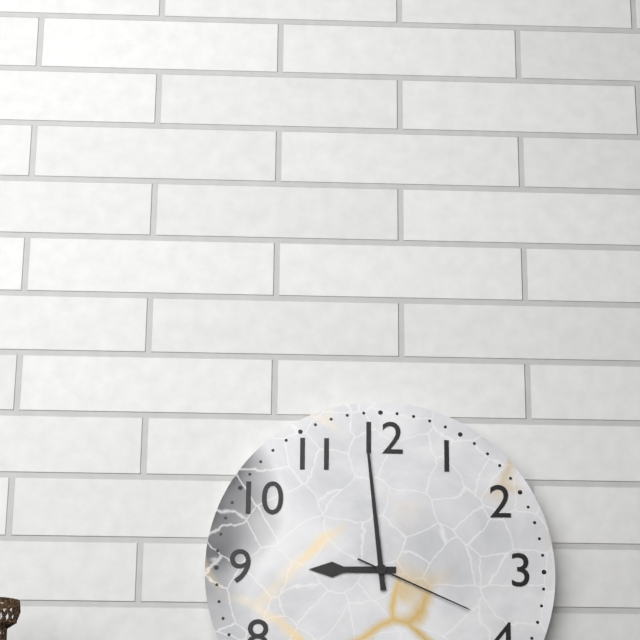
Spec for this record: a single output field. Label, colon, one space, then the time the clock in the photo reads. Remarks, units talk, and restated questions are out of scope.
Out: 8:59:19
